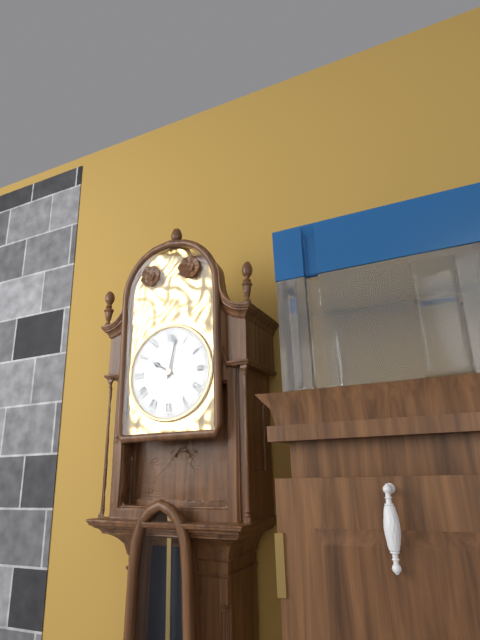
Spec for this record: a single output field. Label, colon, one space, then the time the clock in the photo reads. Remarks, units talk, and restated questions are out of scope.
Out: 10:02
